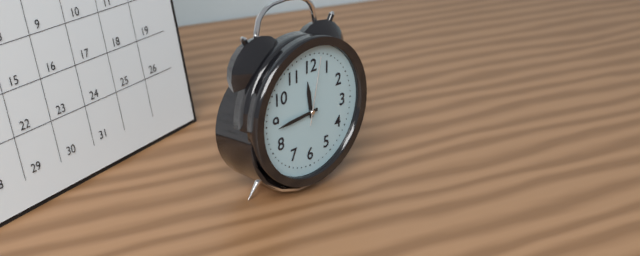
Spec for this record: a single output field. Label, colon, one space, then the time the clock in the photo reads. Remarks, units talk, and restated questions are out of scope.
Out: 11:44:02
